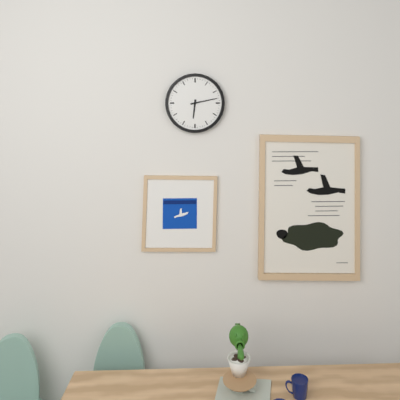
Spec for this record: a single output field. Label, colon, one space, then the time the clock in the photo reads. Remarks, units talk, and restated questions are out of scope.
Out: 6:13
